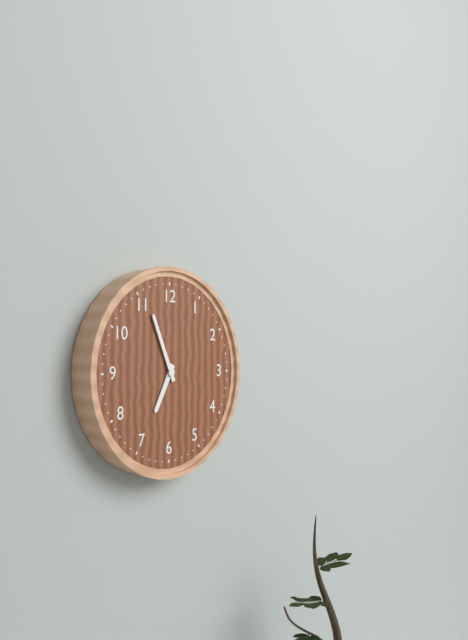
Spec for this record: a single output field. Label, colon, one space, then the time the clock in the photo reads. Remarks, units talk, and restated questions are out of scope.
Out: 6:56
